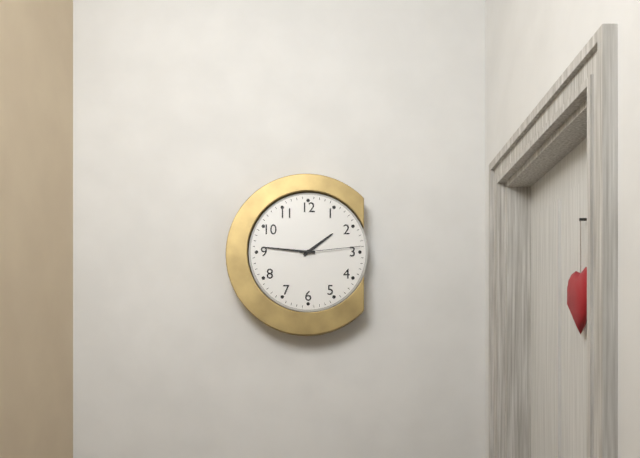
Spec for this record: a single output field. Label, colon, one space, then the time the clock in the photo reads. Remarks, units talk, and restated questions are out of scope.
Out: 1:46:14
